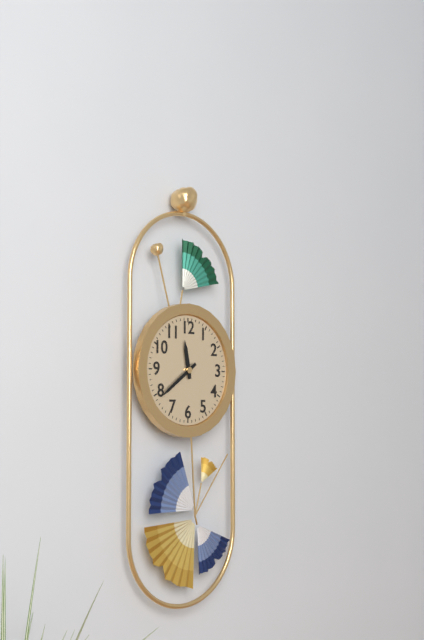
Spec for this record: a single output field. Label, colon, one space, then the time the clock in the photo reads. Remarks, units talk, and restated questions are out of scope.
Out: 11:39
